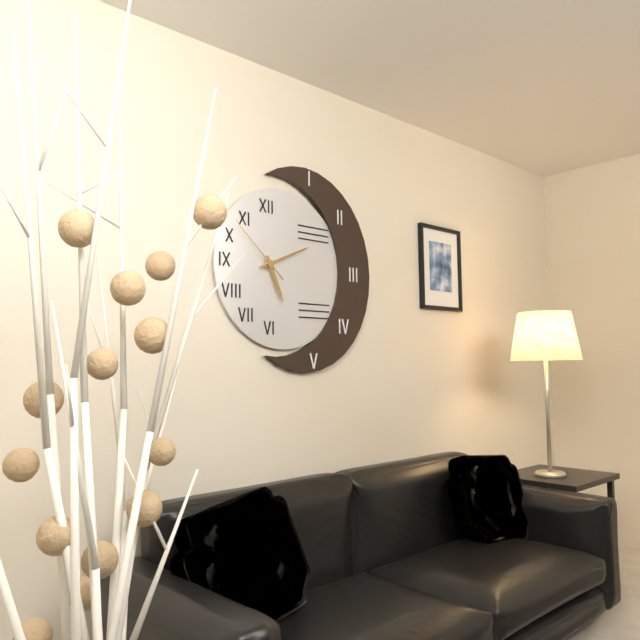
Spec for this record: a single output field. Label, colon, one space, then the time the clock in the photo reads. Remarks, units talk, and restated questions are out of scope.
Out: 5:11:52
